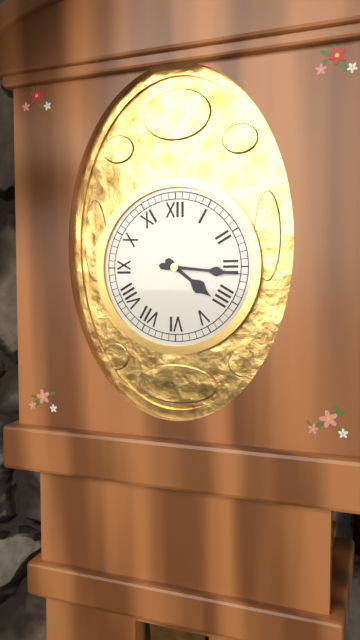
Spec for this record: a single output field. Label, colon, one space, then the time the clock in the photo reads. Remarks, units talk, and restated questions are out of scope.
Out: 4:16
